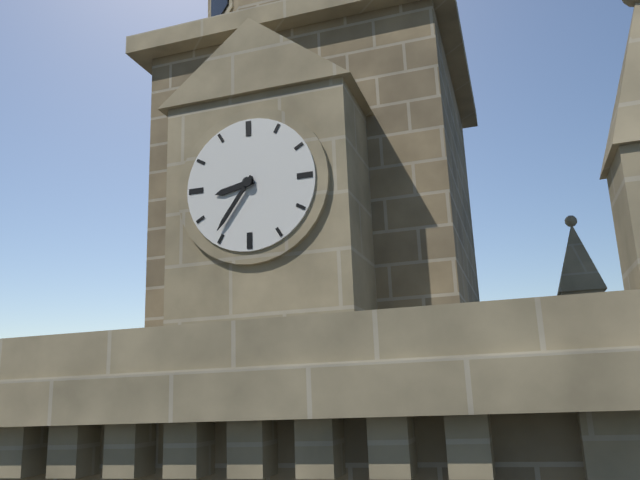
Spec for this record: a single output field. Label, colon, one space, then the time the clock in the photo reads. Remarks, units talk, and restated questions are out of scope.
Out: 8:36
